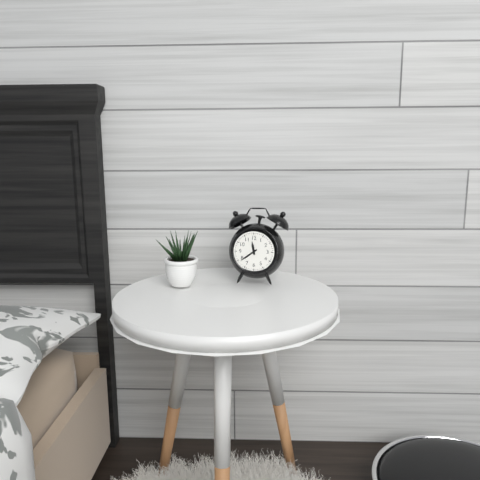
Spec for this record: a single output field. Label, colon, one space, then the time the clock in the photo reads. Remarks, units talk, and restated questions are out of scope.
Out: 11:39
